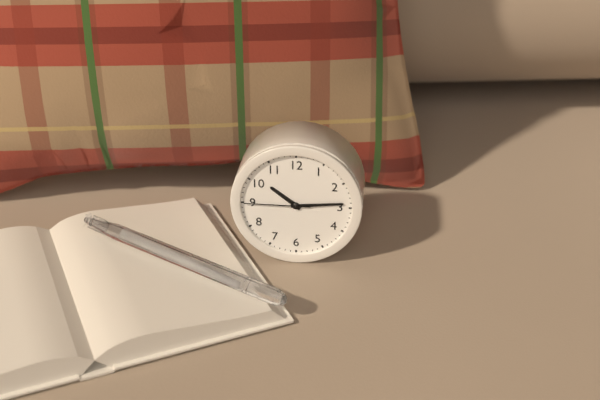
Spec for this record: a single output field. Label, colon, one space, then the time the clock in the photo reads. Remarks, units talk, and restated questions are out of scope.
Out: 10:14:45
